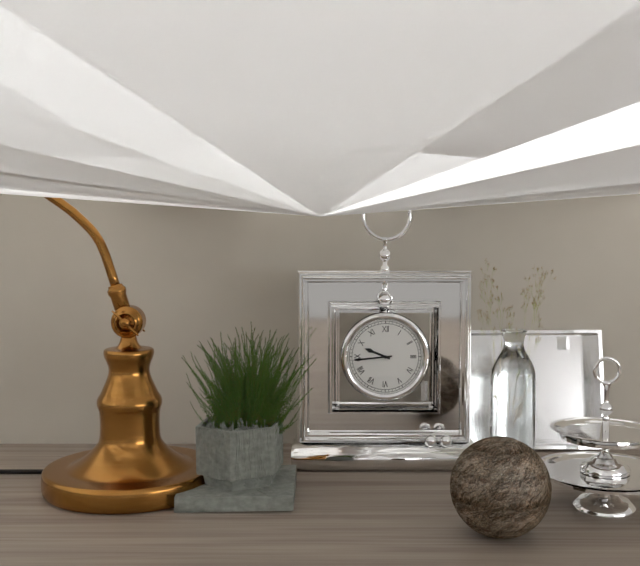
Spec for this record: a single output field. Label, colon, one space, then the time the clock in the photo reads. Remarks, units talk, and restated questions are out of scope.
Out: 9:44
